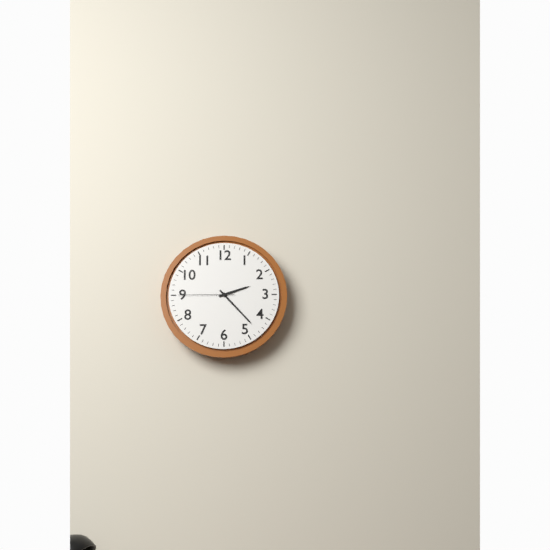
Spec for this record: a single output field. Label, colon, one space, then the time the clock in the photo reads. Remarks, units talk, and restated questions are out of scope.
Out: 2:23:45
